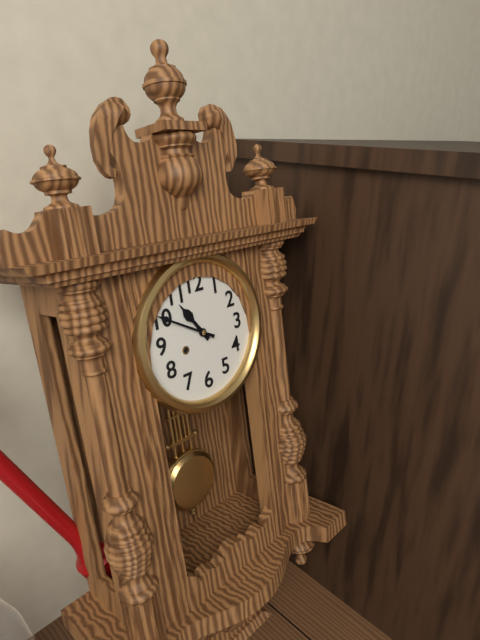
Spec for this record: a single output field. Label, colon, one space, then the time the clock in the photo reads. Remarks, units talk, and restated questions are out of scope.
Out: 10:50
